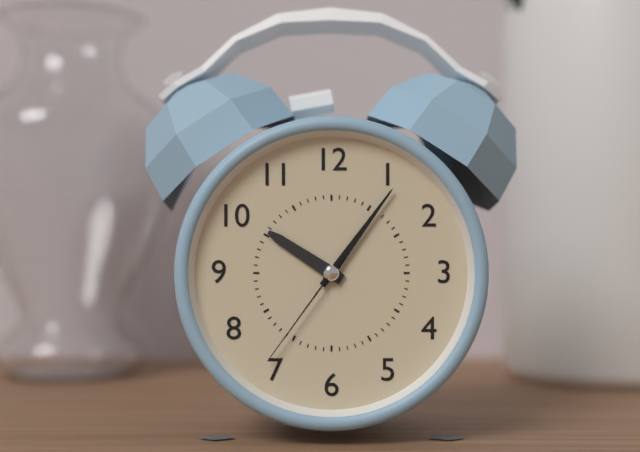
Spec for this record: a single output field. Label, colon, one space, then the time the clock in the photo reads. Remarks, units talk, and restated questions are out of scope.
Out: 10:06:36
